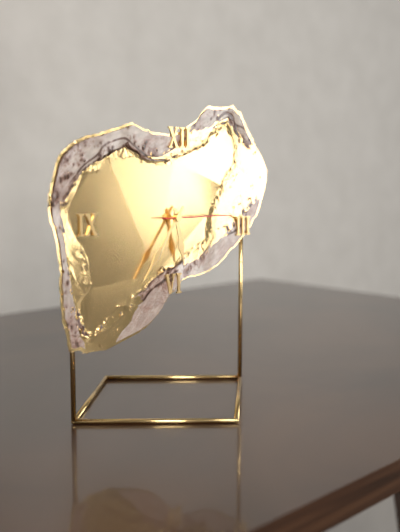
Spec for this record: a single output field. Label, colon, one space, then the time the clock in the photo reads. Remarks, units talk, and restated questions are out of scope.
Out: 5:36:15
